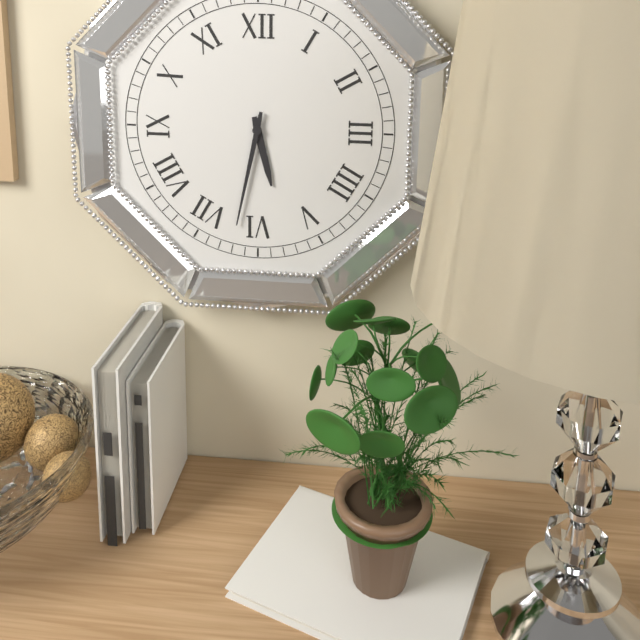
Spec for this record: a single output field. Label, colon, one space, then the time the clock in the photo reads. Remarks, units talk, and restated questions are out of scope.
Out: 5:32
